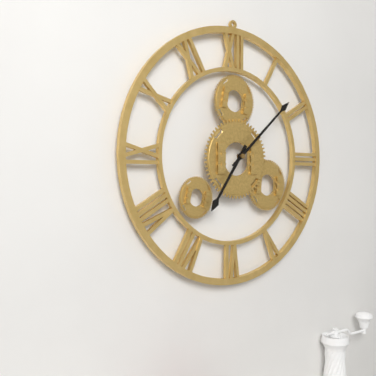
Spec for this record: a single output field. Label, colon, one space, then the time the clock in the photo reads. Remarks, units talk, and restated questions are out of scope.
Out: 7:08
